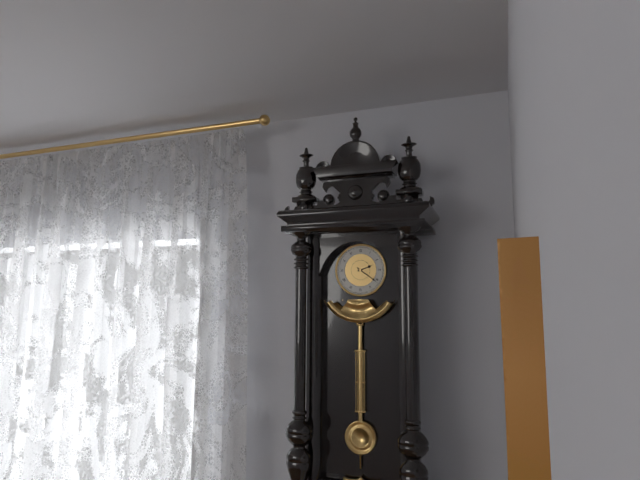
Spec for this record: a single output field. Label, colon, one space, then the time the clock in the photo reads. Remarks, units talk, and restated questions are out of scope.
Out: 2:21
